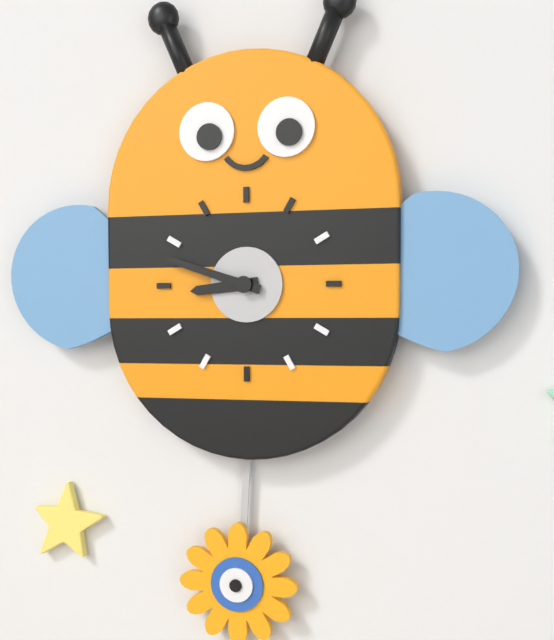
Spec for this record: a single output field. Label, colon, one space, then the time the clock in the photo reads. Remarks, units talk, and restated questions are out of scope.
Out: 8:48
